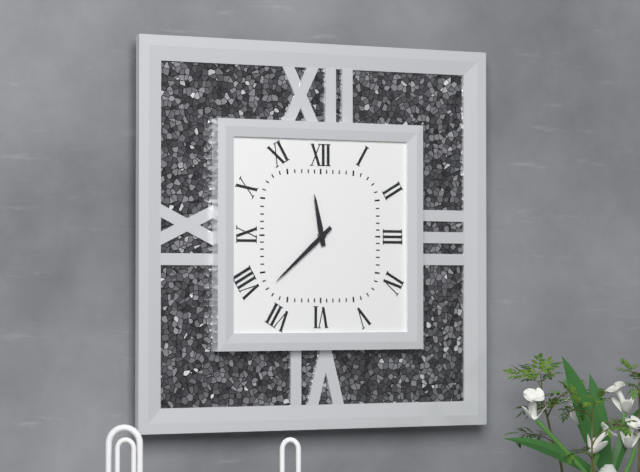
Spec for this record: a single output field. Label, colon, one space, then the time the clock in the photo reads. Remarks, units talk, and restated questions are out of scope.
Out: 11:38
